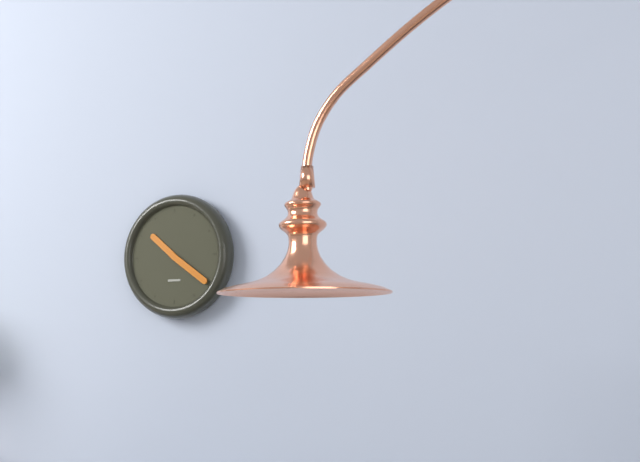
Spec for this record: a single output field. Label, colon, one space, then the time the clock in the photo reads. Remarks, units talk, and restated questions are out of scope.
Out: 10:21
